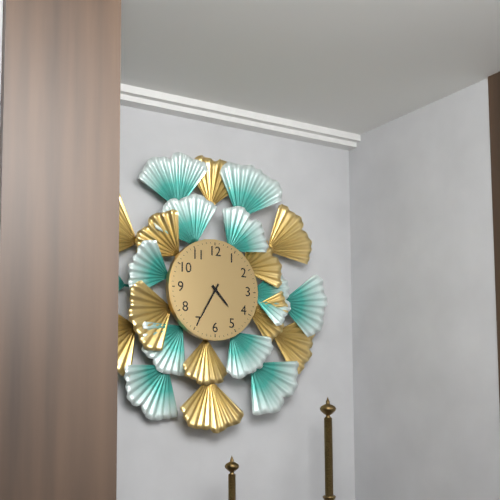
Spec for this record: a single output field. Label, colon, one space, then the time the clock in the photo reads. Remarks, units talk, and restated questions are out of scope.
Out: 4:35
